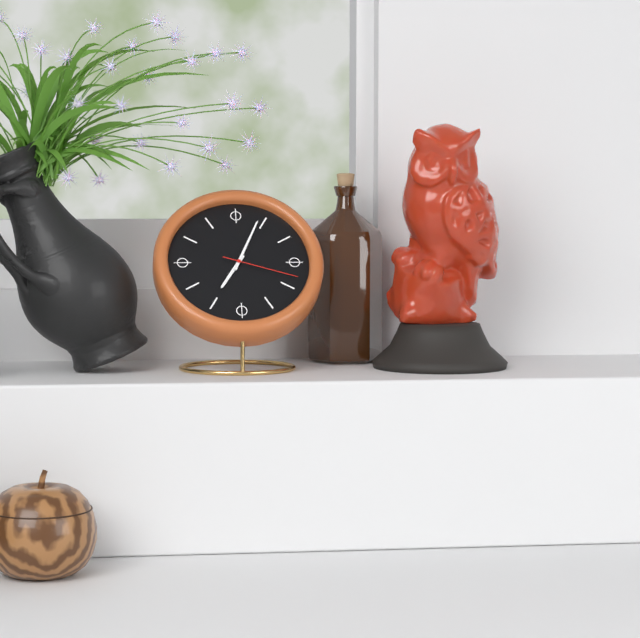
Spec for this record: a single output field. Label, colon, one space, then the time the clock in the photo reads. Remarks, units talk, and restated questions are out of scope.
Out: 7:04:18
